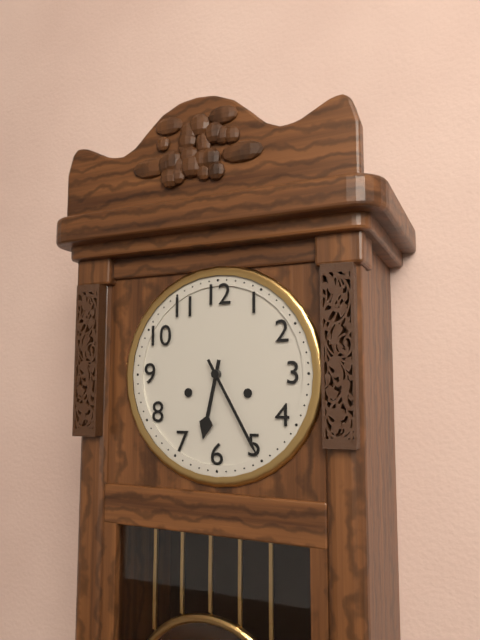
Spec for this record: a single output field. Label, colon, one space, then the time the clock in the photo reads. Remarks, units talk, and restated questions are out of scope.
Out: 6:25
